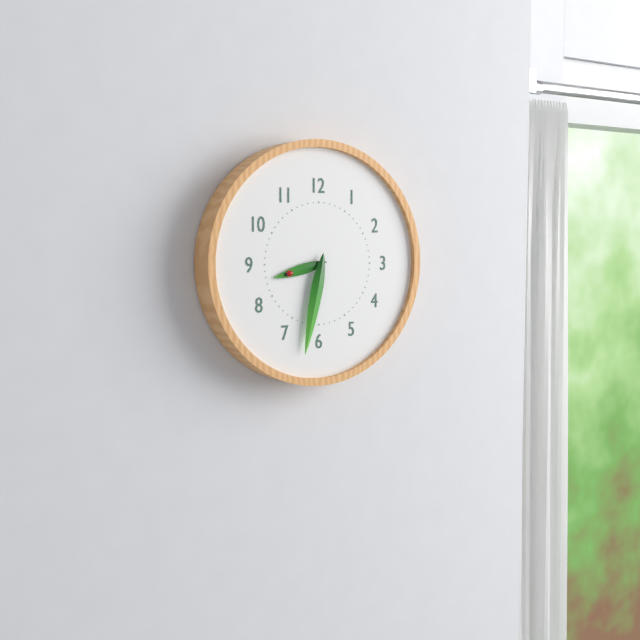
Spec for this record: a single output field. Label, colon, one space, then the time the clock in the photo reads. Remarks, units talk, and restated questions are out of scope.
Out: 8:32
